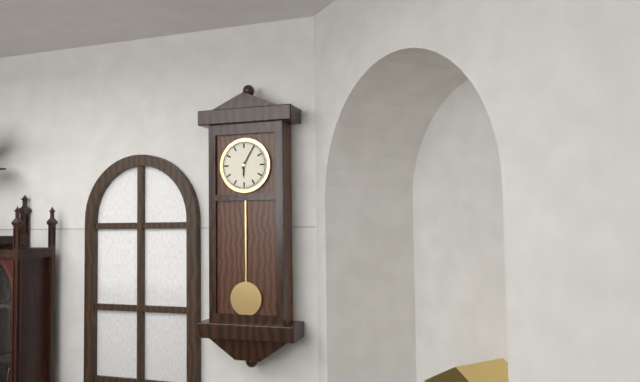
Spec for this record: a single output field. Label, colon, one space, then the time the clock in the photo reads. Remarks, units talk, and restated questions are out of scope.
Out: 6:05
